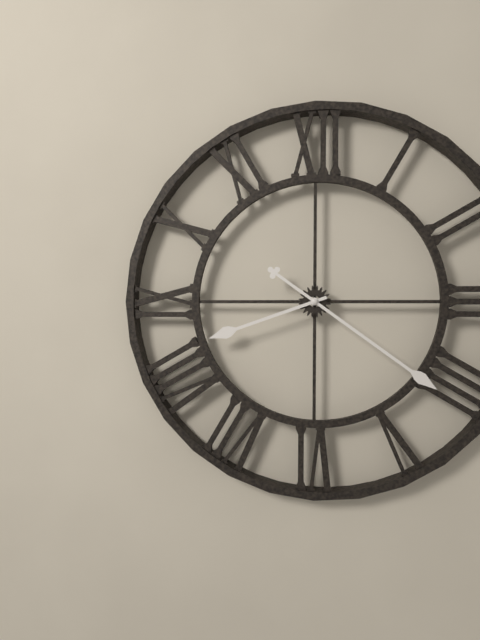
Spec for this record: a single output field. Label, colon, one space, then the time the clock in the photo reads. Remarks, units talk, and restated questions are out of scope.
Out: 8:21
